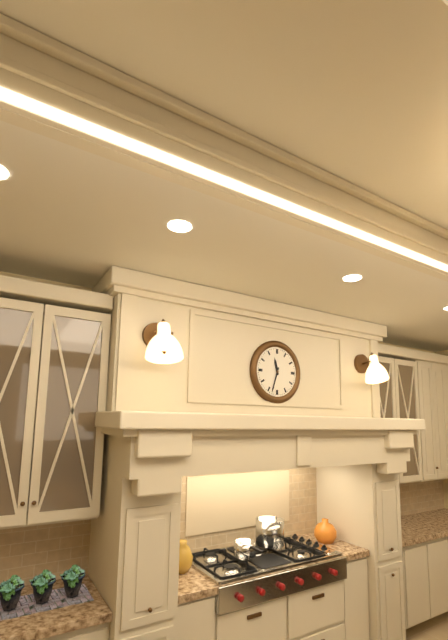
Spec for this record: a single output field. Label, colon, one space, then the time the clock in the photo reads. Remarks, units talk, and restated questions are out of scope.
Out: 11:33
